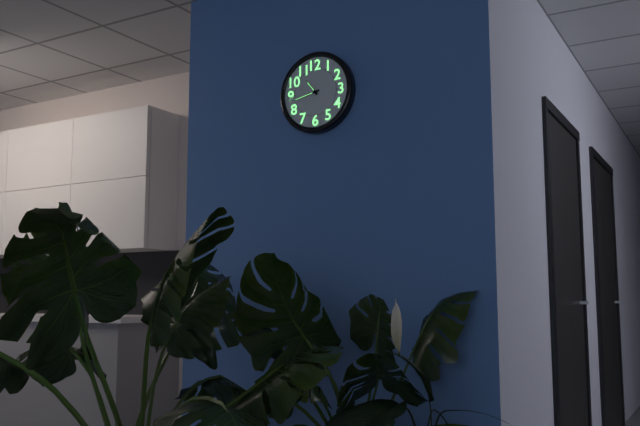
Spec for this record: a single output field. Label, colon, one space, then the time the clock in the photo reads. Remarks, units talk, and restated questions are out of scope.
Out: 10:43
